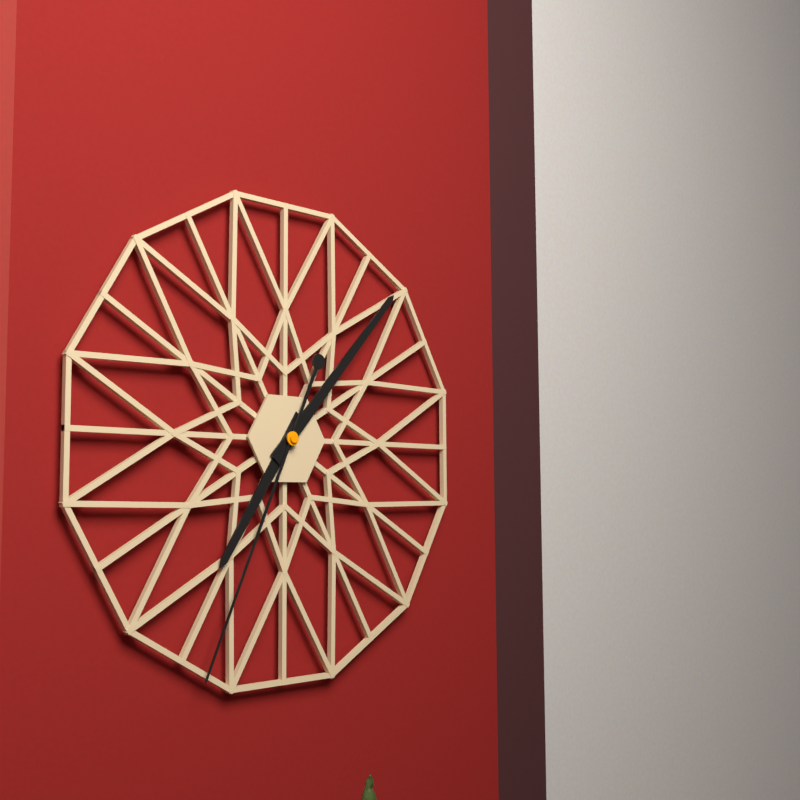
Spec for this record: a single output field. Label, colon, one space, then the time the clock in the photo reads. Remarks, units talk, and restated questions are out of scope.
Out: 7:07:34
